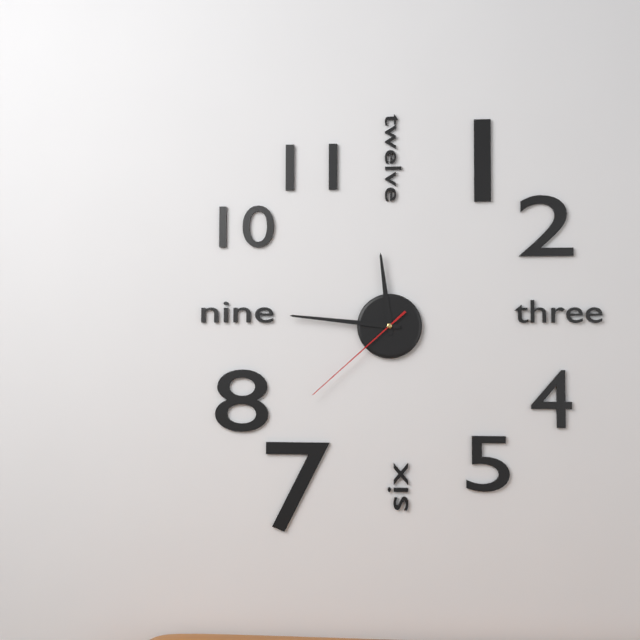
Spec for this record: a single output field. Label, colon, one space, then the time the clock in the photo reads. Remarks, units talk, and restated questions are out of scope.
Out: 11:46:38
